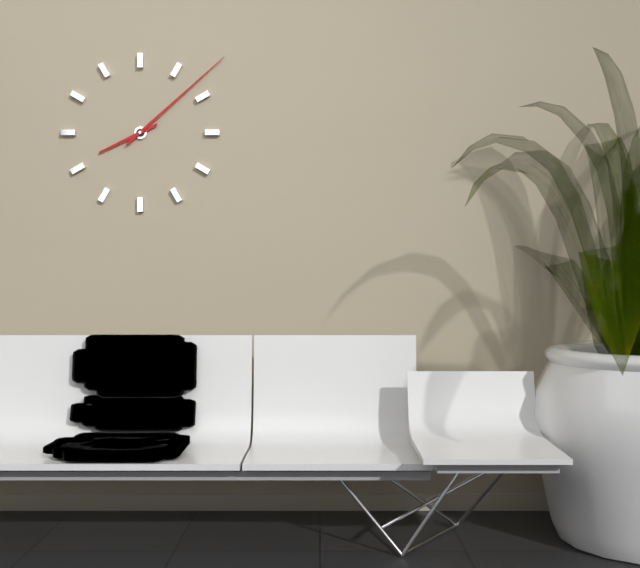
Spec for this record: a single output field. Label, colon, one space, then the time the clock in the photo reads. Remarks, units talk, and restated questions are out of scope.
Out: 8:08
